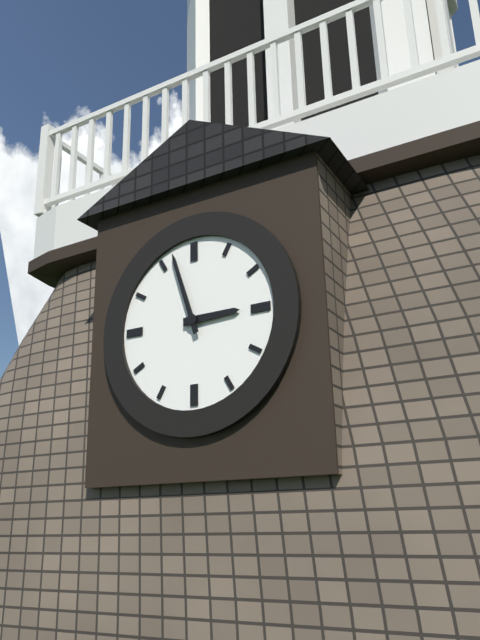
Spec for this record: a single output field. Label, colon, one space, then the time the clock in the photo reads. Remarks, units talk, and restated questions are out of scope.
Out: 2:57
